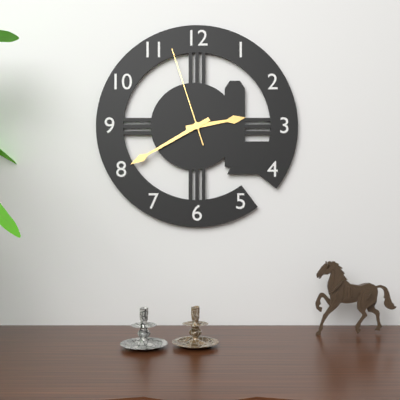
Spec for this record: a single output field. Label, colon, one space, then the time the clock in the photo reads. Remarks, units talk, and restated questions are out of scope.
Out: 2:40:57
